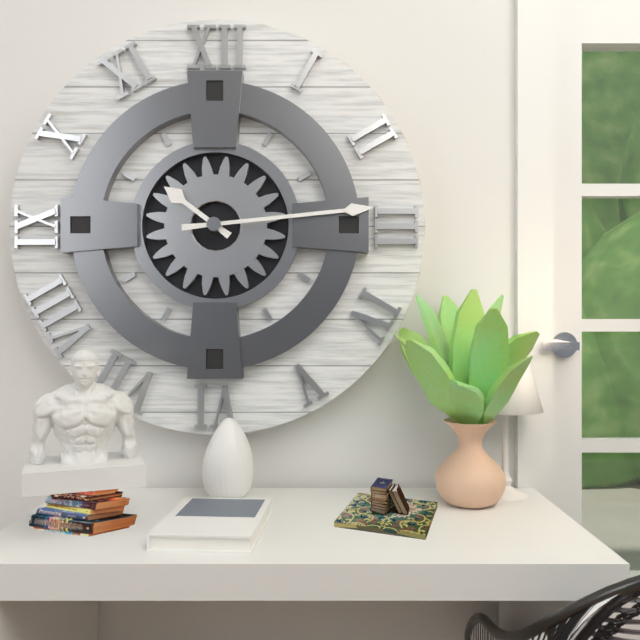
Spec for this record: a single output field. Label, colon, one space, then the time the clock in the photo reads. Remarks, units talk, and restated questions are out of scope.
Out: 10:14
